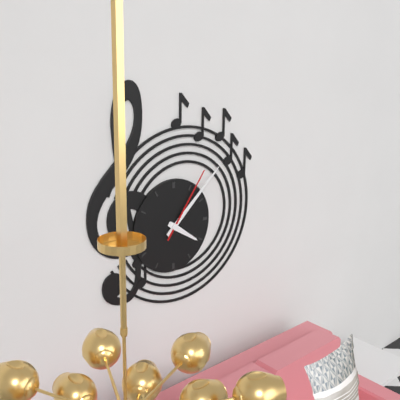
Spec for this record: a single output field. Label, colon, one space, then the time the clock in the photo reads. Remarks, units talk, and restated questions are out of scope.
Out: 4:08:06
